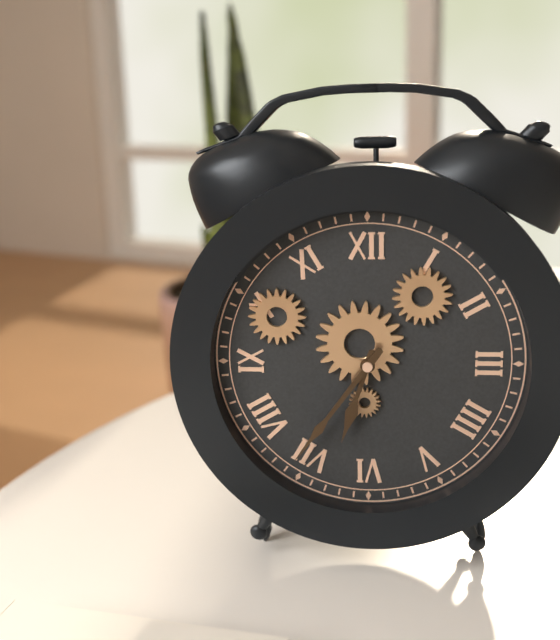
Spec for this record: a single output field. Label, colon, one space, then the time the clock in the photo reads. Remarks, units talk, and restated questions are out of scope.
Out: 6:36
